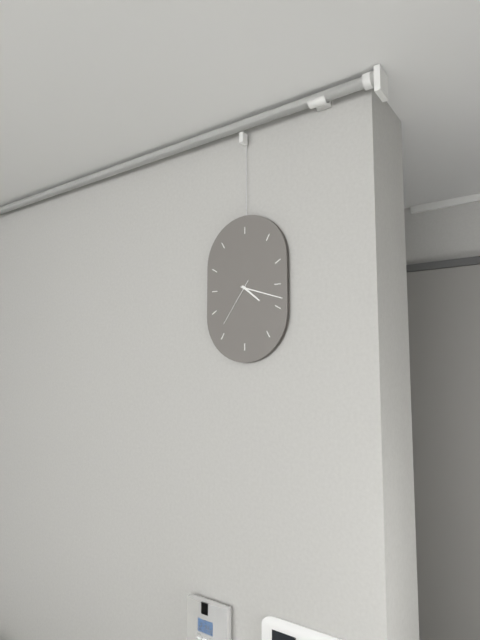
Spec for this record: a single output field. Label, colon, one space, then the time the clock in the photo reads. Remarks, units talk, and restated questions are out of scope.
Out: 4:18:36
